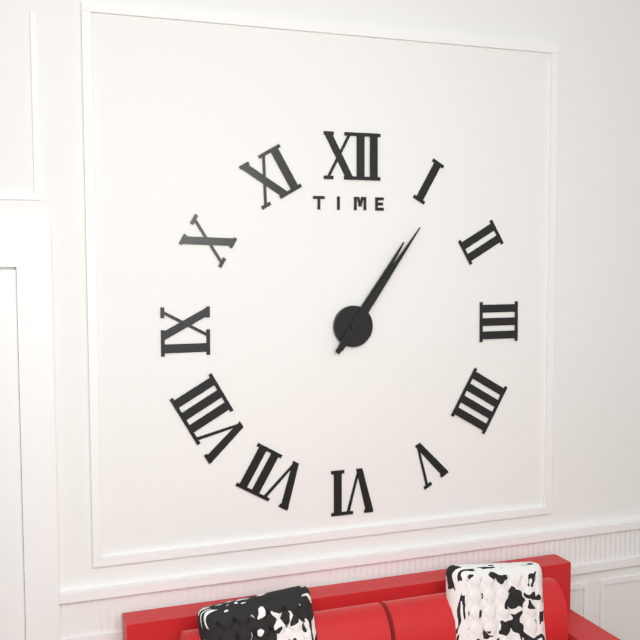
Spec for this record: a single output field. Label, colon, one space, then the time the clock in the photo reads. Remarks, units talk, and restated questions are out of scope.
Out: 1:06
